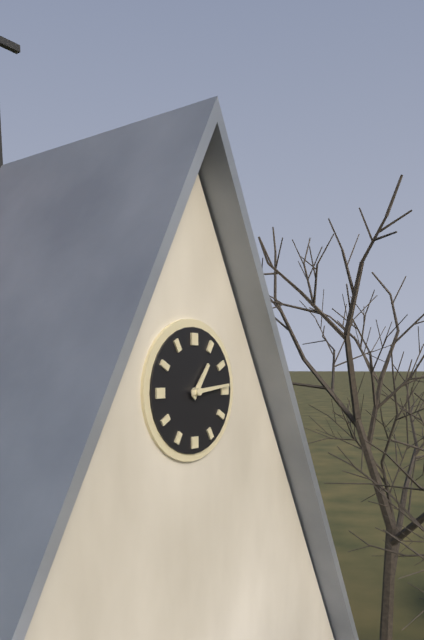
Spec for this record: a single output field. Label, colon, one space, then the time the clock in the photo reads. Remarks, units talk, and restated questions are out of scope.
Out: 1:14
